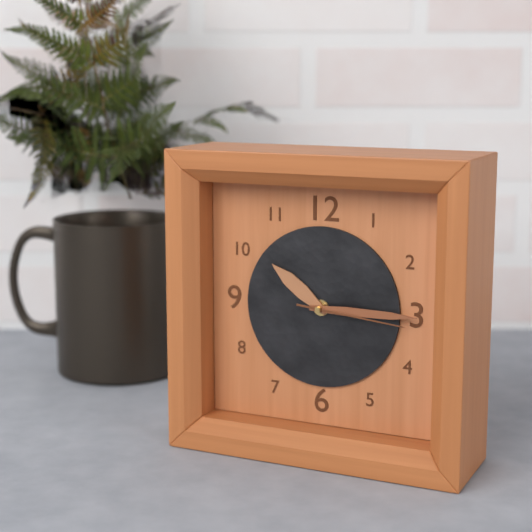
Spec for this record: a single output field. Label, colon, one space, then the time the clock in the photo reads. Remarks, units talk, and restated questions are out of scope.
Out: 10:15:16
